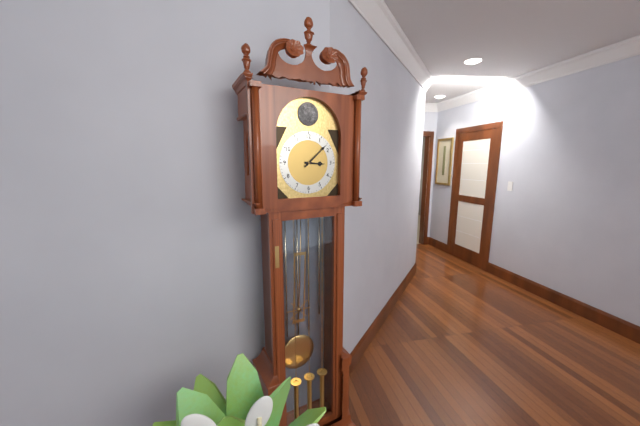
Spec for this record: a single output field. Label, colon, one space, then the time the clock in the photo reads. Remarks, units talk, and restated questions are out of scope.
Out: 3:08
